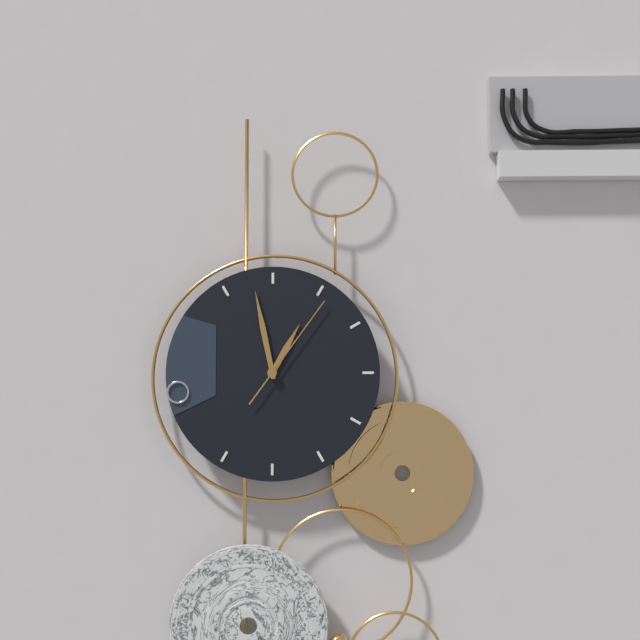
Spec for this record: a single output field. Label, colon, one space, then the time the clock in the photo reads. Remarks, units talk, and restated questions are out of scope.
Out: 12:58:06
